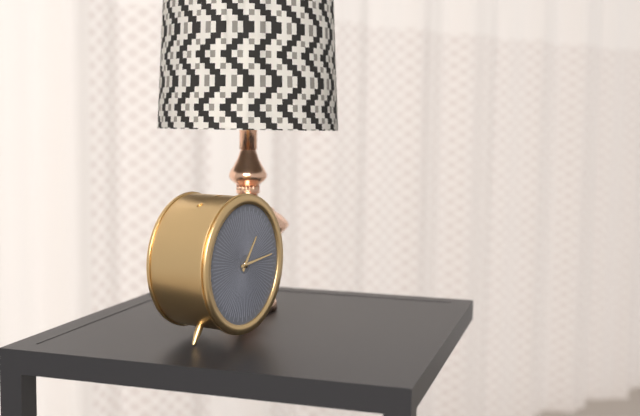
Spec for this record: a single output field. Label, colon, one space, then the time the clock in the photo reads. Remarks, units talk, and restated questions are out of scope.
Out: 1:14
